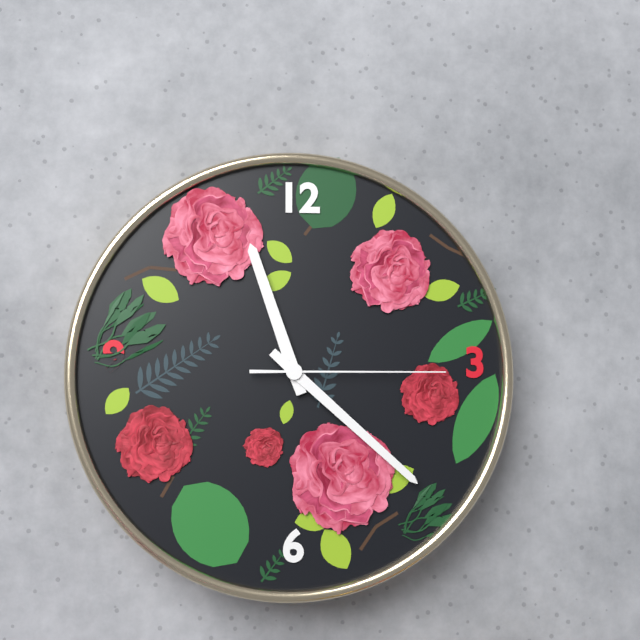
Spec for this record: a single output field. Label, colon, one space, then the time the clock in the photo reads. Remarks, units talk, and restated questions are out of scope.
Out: 11:22:15
